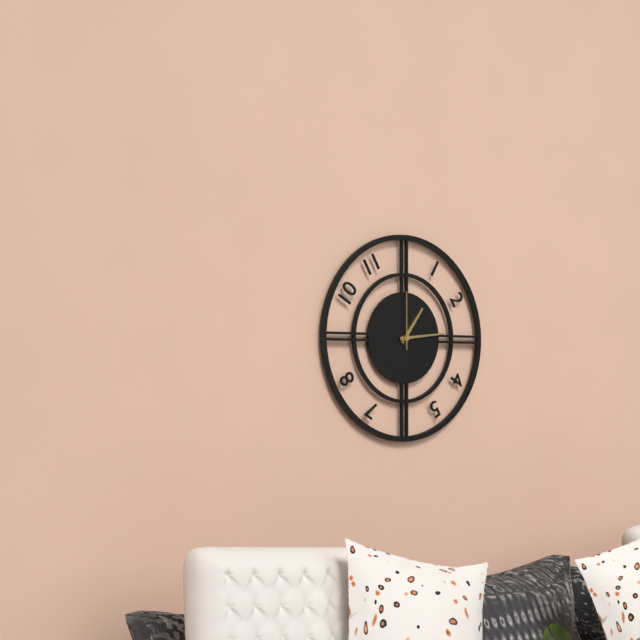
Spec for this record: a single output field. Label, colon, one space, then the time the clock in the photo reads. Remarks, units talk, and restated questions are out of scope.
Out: 1:14:00
